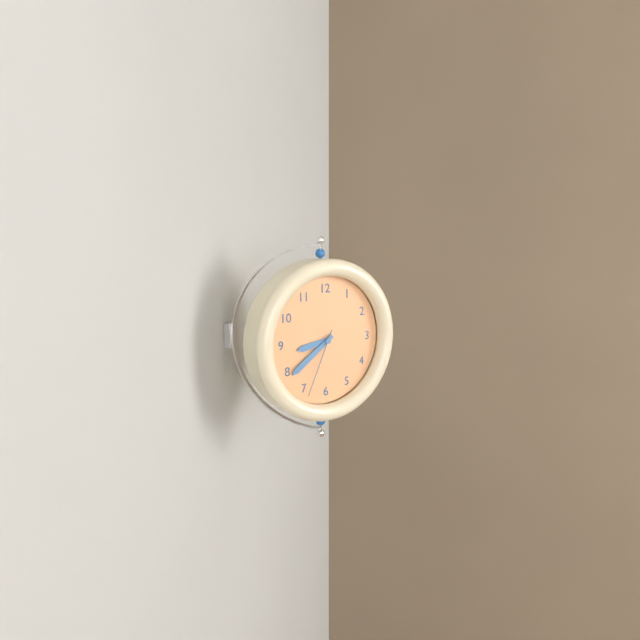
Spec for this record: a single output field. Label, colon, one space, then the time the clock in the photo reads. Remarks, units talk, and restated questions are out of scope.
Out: 8:39:34
